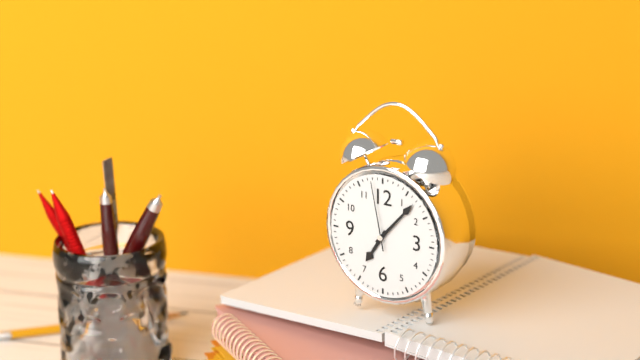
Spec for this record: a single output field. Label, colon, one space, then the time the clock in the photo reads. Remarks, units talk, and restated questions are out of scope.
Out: 7:07:58
